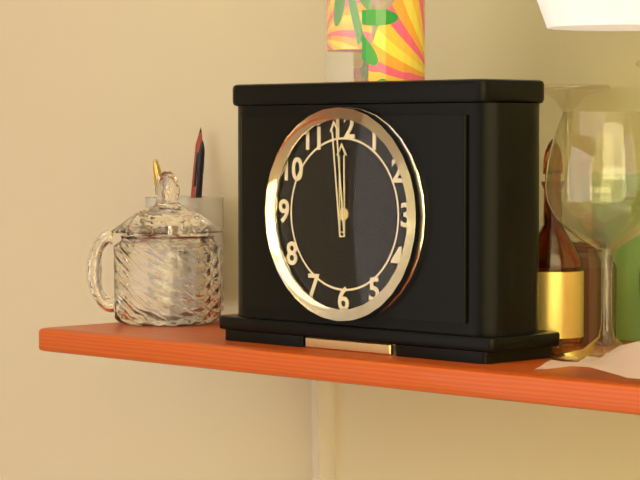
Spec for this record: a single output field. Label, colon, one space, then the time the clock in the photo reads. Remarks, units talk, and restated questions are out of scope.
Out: 11:59
